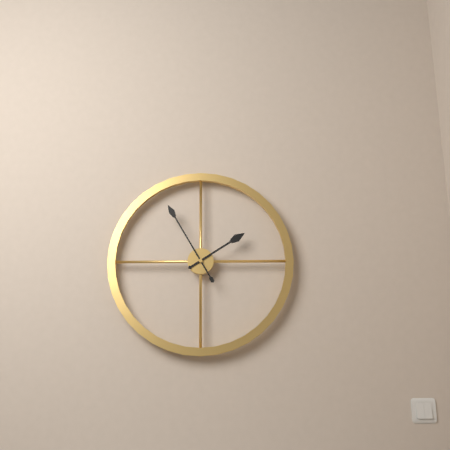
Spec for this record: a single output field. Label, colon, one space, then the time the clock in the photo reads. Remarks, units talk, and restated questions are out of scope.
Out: 1:55
